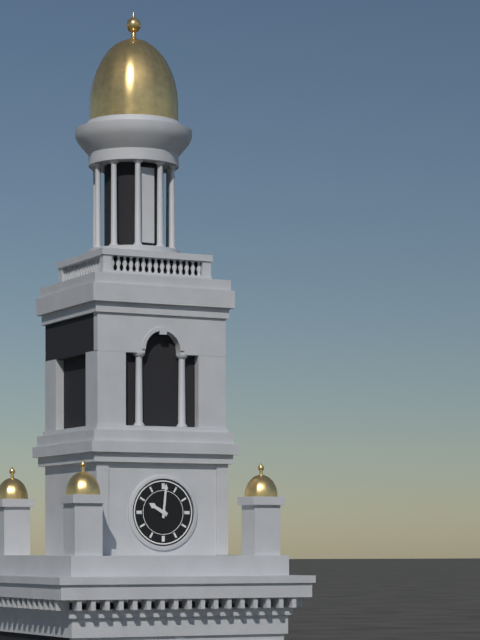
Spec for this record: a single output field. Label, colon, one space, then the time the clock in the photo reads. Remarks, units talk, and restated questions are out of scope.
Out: 10:01
